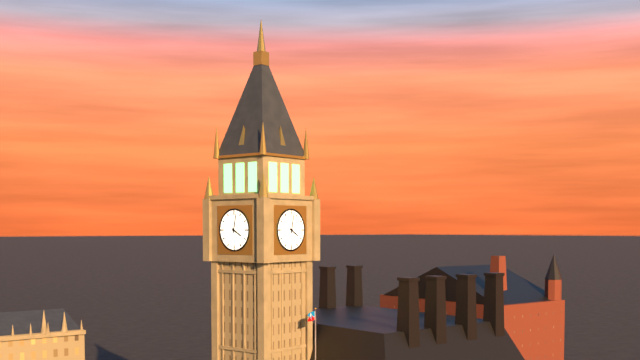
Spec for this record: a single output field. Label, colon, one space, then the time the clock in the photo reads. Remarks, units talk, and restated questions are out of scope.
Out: 4:02
